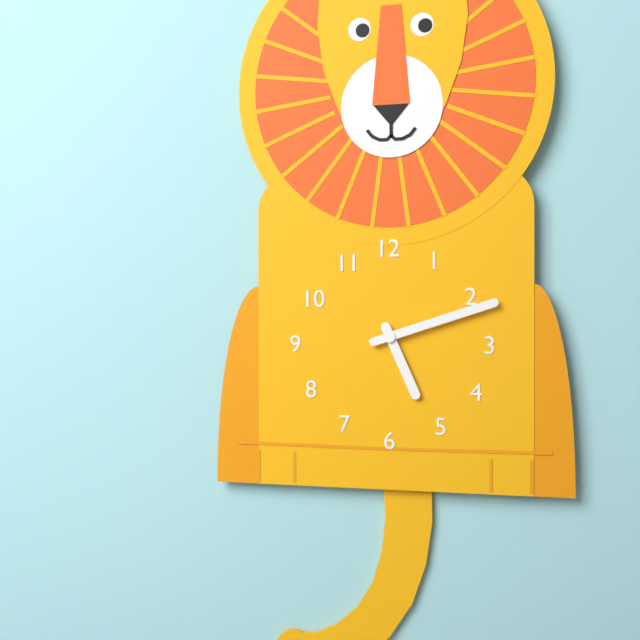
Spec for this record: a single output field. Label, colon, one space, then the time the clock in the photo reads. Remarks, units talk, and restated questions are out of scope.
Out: 5:12
